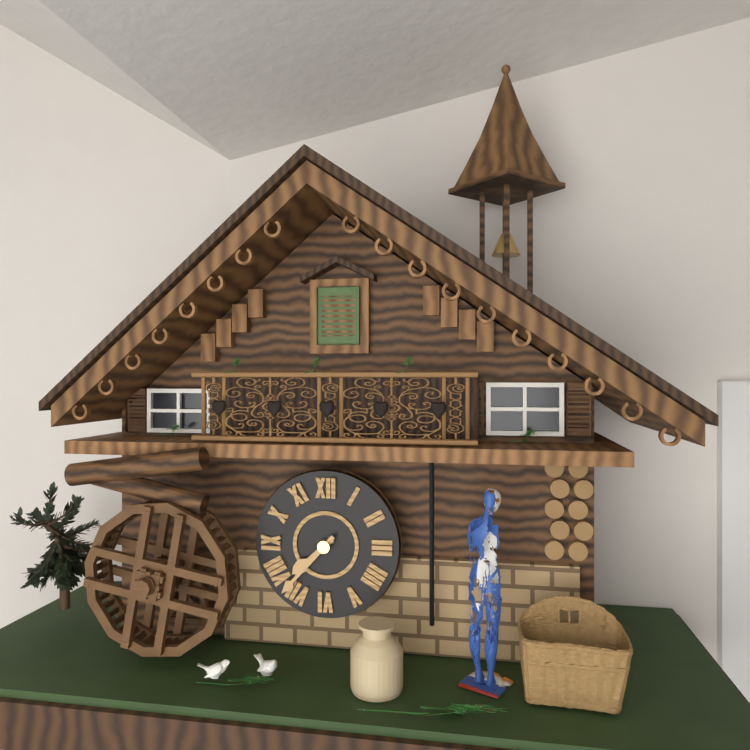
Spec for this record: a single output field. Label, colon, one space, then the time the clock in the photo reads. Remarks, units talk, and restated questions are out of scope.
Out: 7:37
